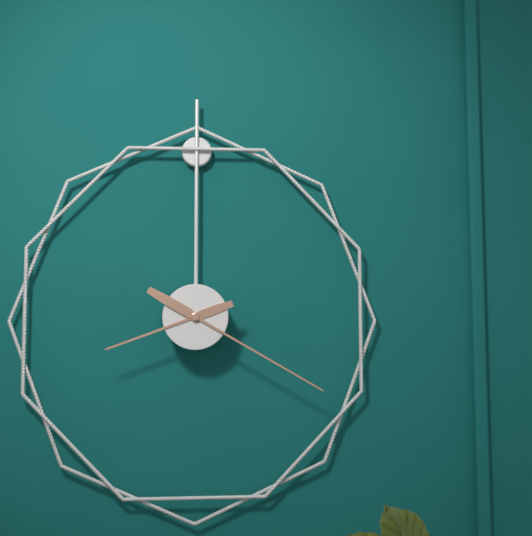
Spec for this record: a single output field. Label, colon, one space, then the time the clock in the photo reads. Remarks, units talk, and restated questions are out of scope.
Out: 8:20
